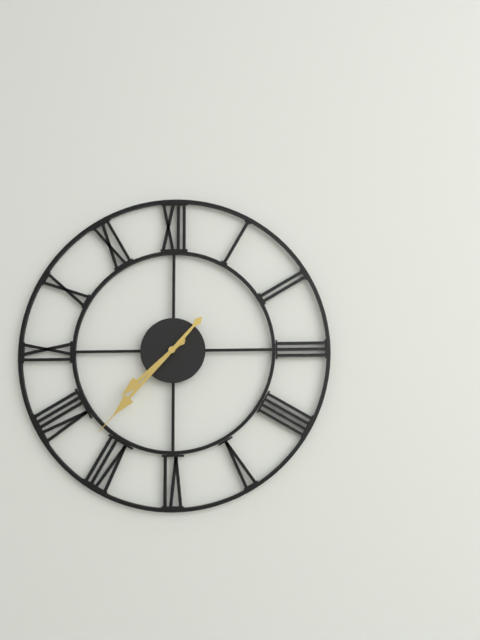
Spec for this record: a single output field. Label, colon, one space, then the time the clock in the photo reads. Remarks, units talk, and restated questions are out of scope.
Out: 7:37
